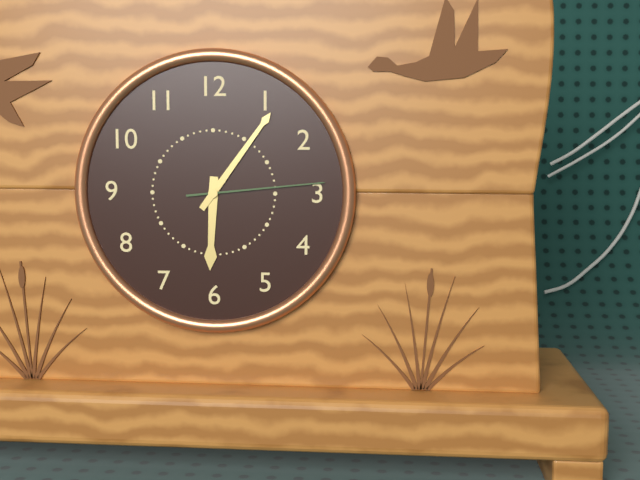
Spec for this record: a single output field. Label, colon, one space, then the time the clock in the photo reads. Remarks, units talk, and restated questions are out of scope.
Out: 6:06:14
